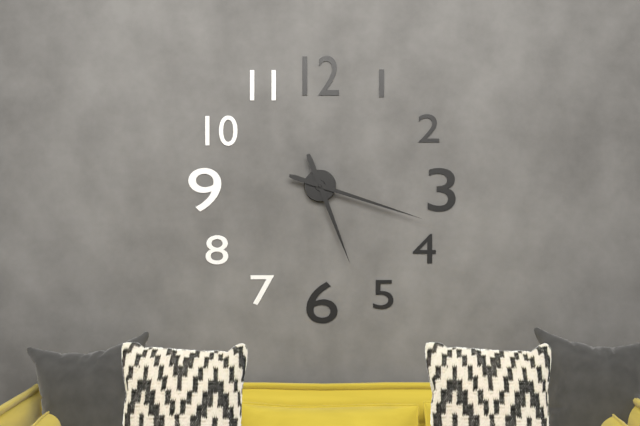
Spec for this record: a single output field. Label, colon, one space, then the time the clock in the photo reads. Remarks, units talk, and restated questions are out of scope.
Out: 5:18
